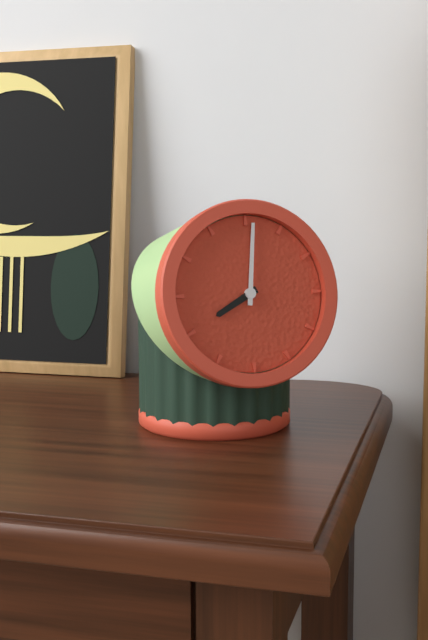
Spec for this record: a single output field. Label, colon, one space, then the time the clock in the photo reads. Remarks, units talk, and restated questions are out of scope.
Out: 8:01
